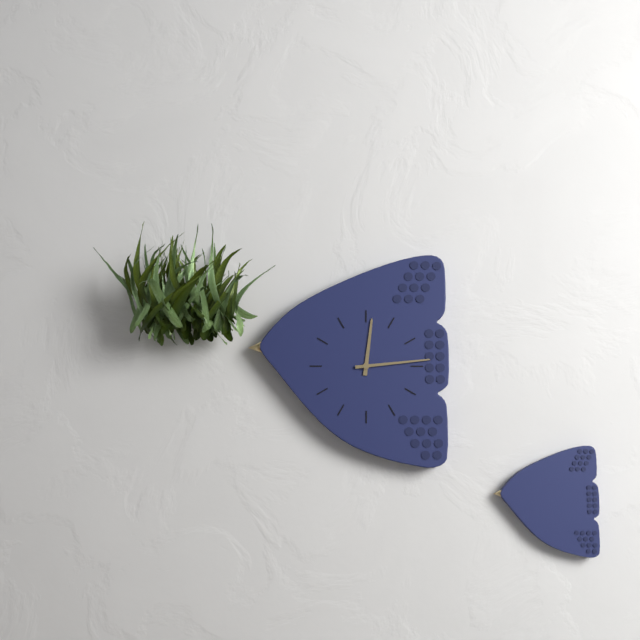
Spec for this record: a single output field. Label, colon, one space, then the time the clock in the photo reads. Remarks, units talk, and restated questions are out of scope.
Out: 12:14
